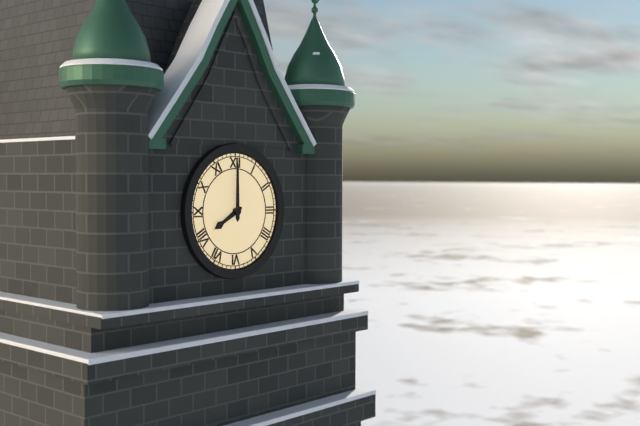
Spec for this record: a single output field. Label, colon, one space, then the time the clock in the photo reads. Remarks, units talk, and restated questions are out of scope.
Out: 8:00
